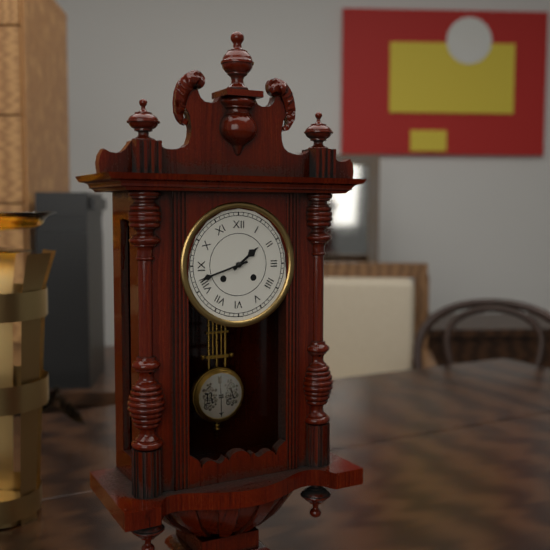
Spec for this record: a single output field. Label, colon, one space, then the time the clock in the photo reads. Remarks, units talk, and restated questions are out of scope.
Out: 1:42
